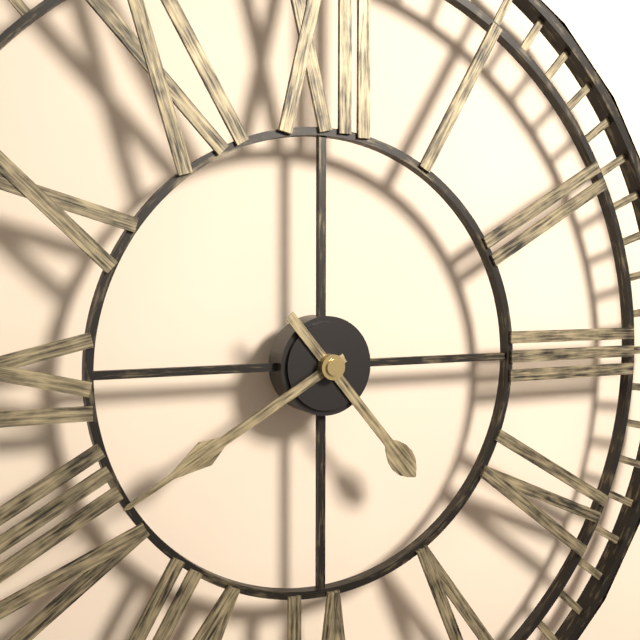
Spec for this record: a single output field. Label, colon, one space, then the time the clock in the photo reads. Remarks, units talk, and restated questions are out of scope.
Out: 4:40
